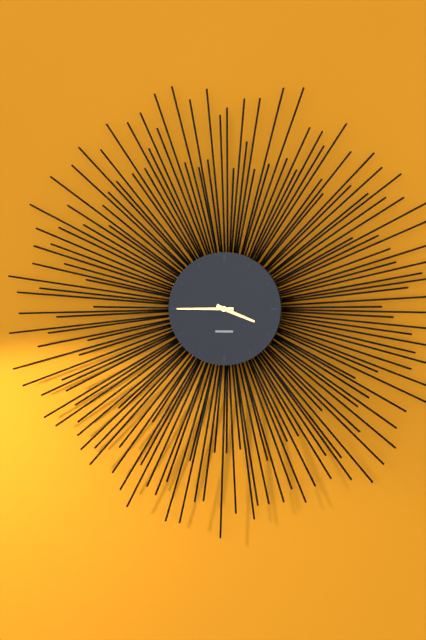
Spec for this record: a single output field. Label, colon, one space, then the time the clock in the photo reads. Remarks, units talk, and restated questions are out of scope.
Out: 3:45
